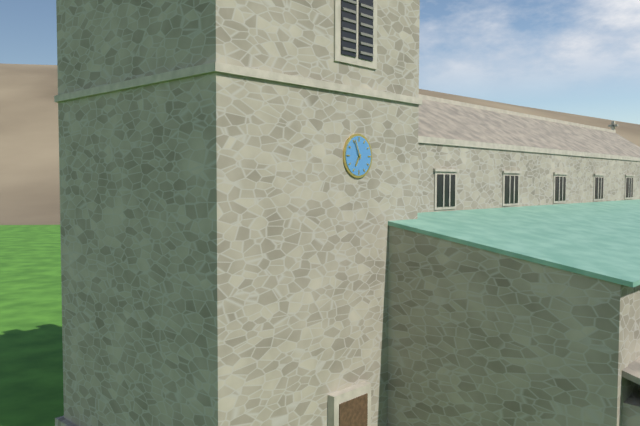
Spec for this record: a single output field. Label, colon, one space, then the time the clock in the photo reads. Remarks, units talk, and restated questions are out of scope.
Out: 6:56
